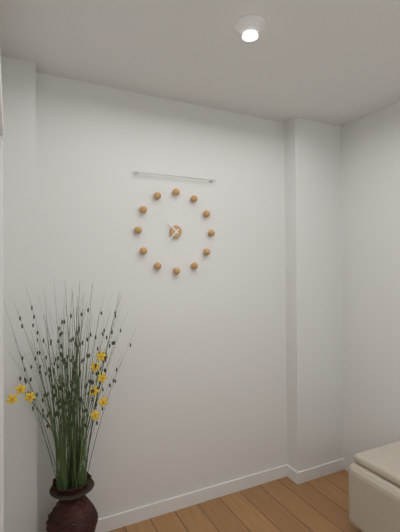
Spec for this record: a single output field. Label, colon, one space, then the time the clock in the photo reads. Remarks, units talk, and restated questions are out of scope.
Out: 10:37
